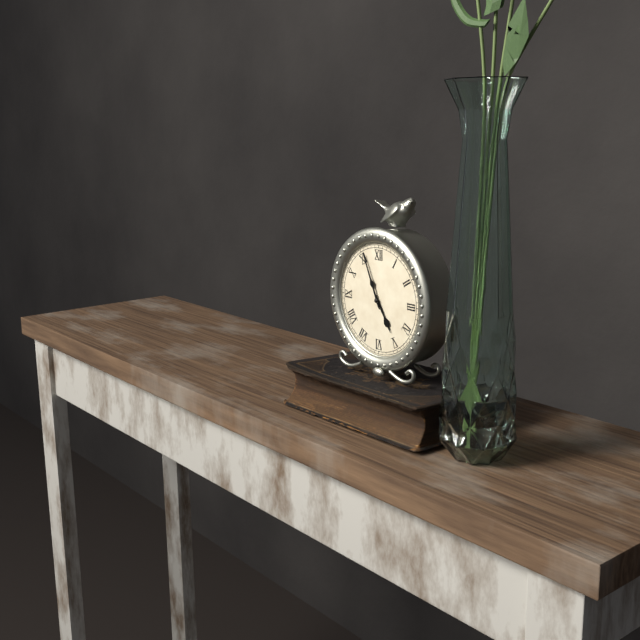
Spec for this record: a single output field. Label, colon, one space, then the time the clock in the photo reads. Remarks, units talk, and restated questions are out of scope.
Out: 4:56
